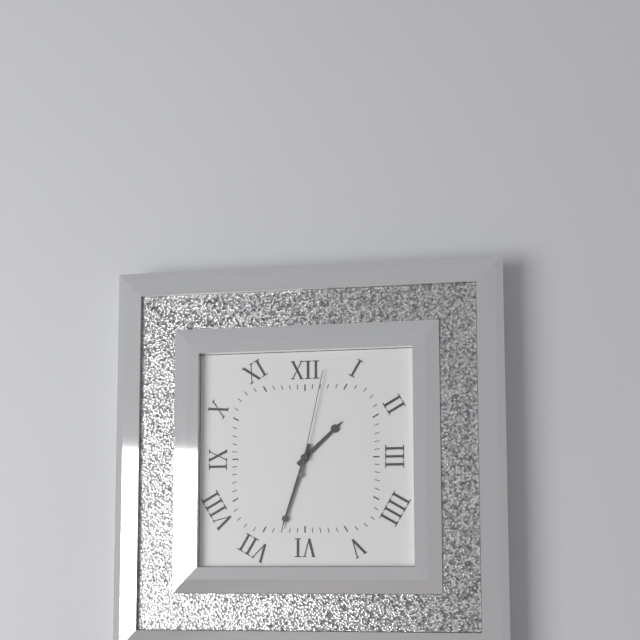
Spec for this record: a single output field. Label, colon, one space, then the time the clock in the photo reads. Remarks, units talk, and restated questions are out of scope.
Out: 1:33:02
